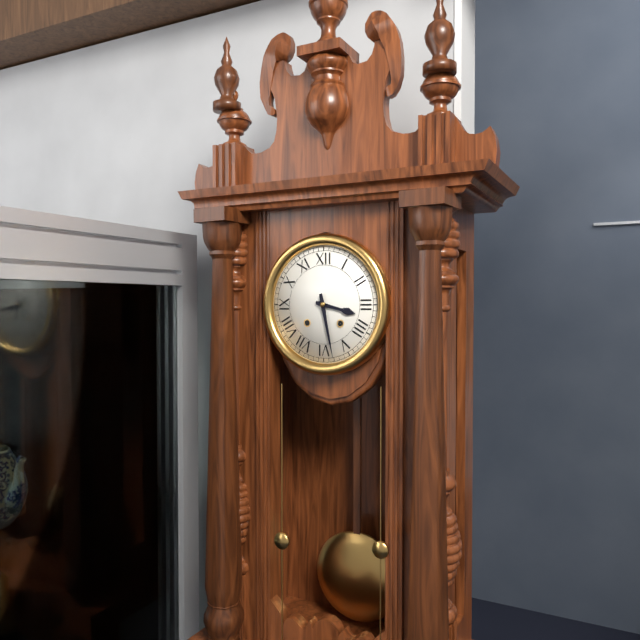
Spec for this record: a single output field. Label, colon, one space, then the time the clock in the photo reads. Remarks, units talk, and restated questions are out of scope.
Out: 3:28
